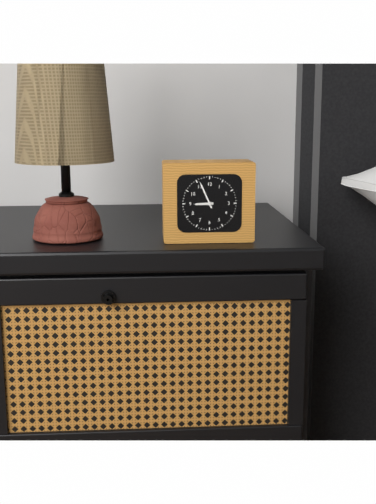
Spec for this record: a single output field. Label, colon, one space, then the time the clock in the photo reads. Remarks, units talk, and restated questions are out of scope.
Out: 8:56
